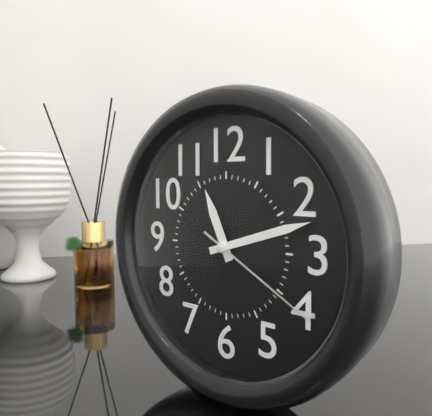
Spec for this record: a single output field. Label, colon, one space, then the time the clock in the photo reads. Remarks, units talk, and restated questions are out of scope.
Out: 11:12:20
